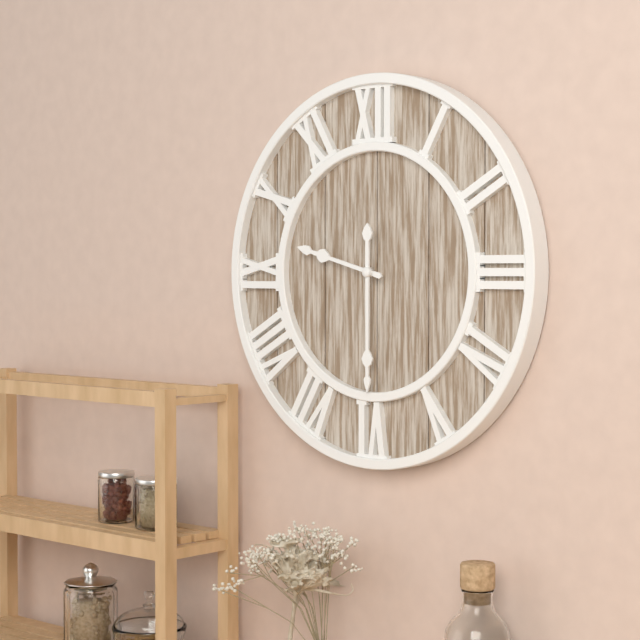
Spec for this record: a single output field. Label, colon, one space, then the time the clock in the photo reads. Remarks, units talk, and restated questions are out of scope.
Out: 9:30
